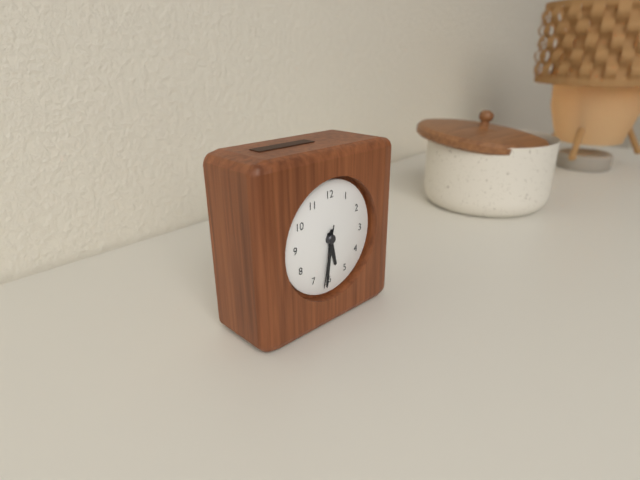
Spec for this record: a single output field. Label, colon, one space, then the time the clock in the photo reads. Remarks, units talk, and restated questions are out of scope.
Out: 5:31:32
